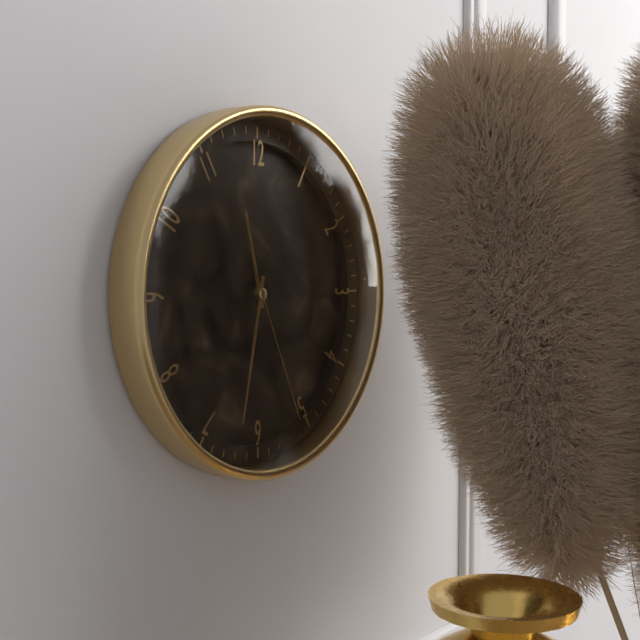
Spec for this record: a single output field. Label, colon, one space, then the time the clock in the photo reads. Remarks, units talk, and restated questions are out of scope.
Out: 11:32:26
